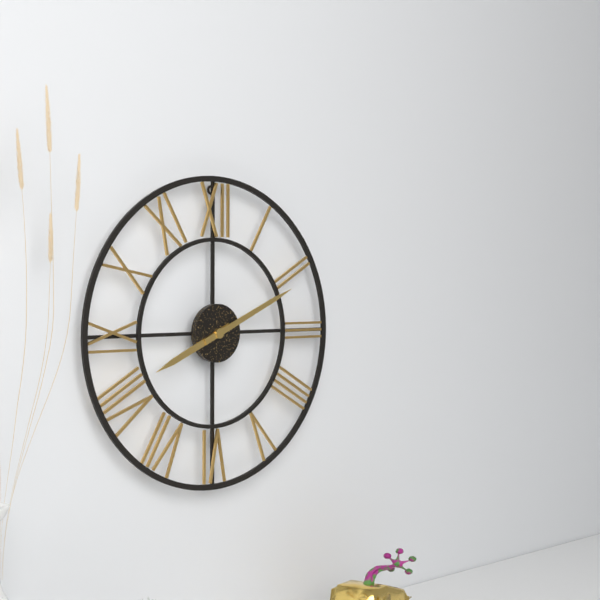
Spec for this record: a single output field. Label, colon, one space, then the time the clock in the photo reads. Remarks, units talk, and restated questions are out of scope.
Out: 8:11
